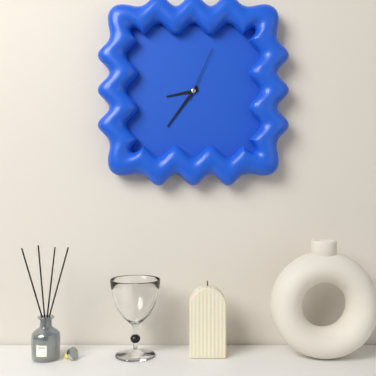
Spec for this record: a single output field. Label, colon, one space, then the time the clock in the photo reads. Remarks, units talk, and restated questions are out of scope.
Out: 8:36:04
